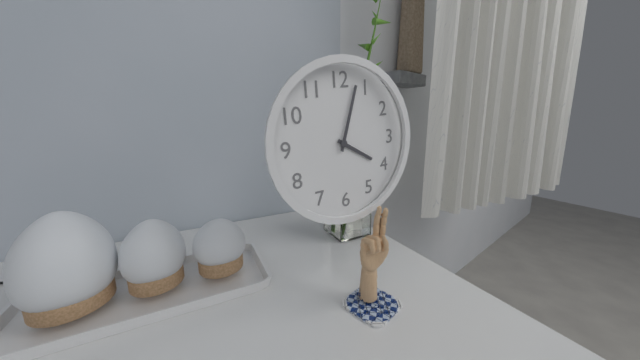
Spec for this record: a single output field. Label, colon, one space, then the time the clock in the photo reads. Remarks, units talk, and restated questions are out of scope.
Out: 4:03
